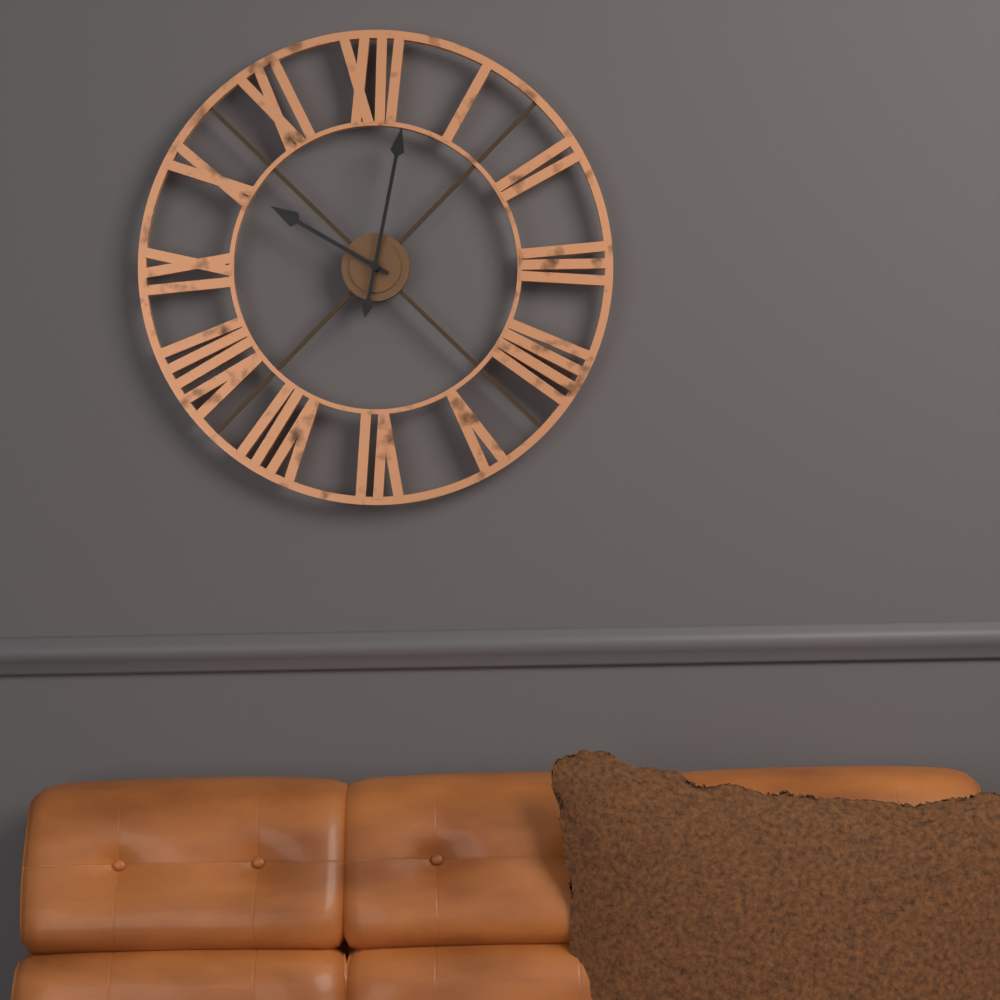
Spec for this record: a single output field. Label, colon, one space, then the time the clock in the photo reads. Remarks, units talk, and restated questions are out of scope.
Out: 10:02
